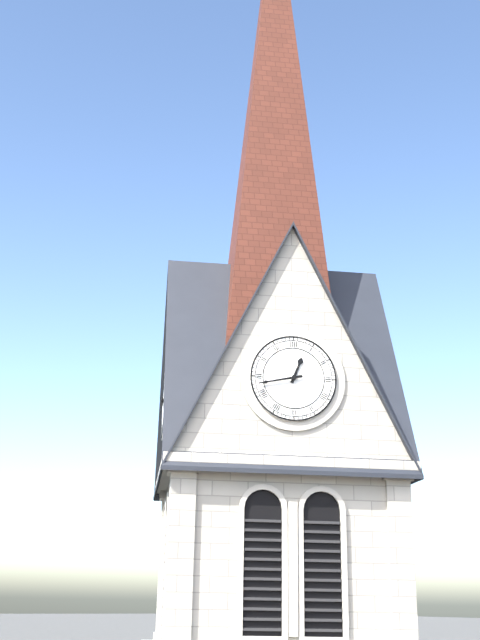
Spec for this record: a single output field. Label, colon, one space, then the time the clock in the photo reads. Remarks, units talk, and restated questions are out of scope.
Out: 12:43
